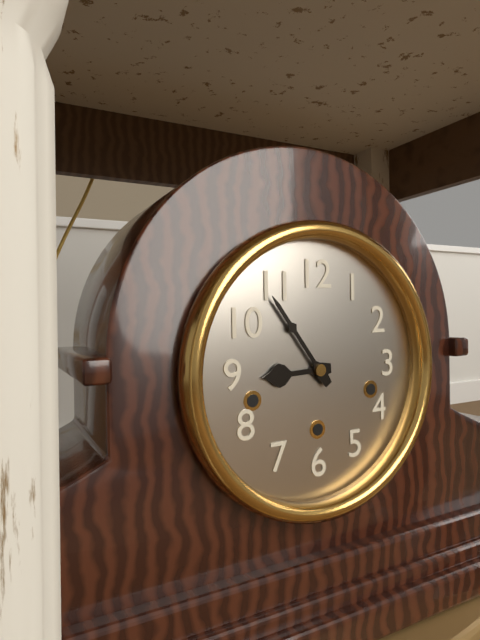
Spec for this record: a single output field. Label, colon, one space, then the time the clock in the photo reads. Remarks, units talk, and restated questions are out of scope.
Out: 8:54
